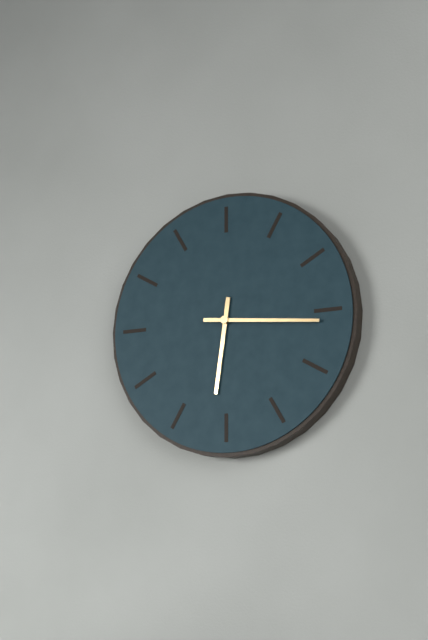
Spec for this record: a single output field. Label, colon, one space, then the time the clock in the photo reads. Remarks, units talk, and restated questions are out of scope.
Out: 6:16
